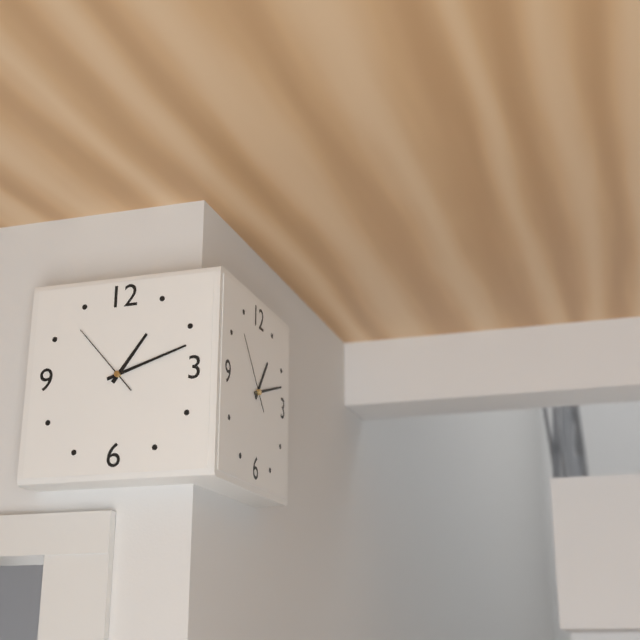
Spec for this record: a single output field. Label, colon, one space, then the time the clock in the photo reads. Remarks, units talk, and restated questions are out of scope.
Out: 1:12:53
